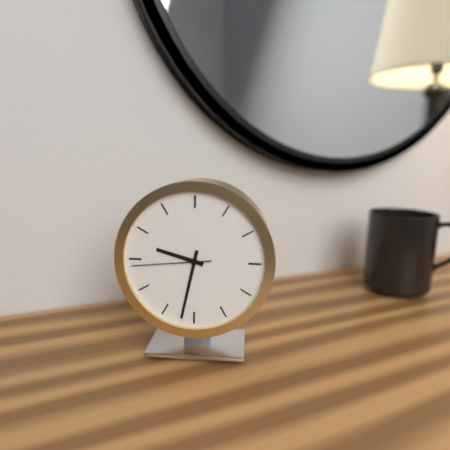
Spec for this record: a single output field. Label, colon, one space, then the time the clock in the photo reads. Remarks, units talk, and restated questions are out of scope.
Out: 9:32:44
